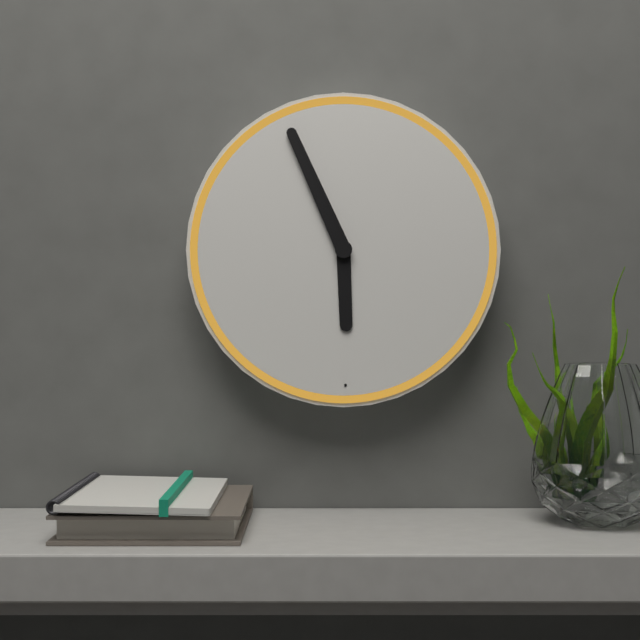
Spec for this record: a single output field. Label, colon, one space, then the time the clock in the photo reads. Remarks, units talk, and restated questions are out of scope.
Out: 5:56
